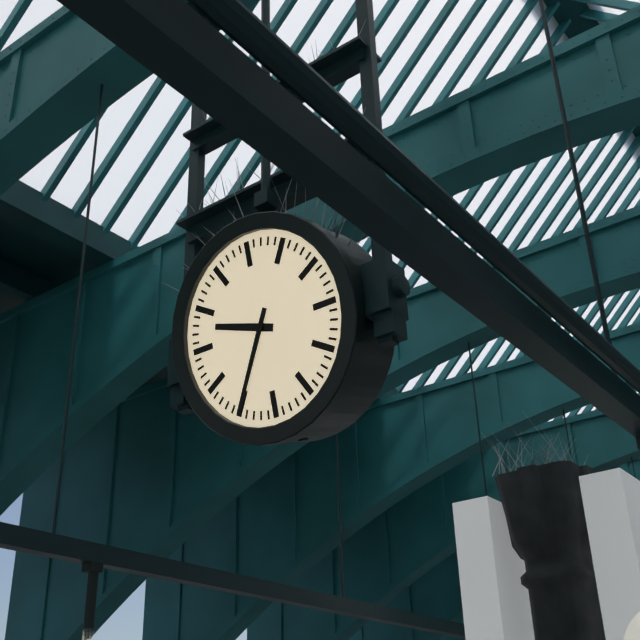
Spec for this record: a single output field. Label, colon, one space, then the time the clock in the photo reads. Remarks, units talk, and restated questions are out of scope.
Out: 9:35
